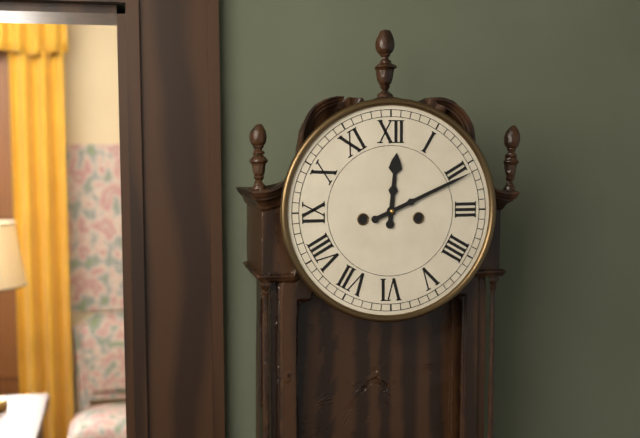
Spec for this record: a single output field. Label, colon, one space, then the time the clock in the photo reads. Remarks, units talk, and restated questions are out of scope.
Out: 12:11
